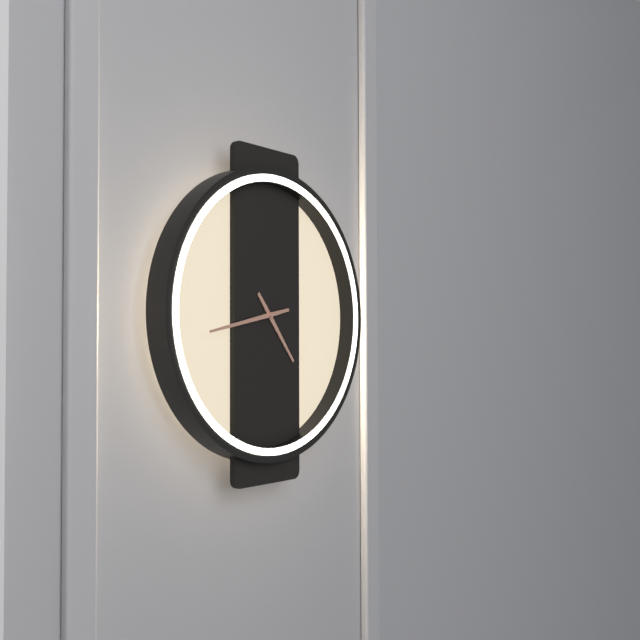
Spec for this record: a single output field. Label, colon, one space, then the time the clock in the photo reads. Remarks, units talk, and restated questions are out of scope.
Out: 4:43
